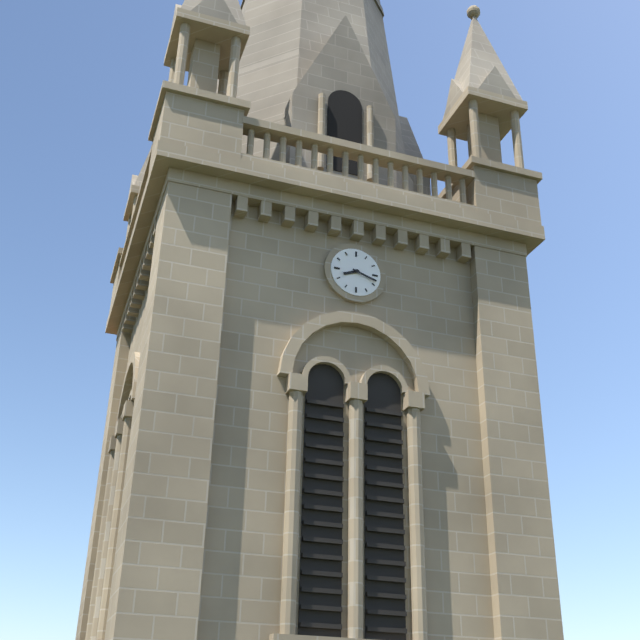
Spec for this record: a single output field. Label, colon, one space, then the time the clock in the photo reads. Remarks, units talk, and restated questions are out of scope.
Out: 8:18
